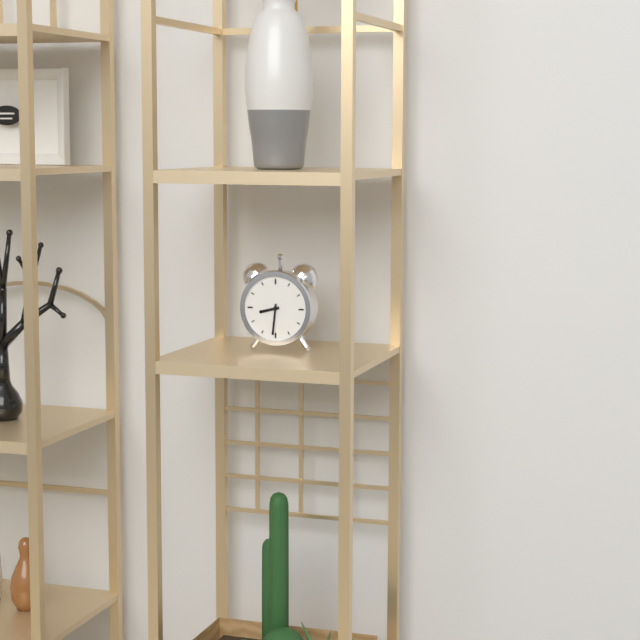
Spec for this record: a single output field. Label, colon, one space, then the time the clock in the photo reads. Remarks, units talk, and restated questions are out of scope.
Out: 8:31
